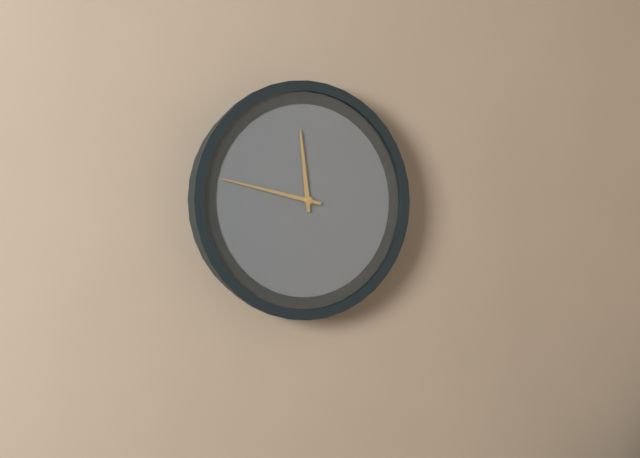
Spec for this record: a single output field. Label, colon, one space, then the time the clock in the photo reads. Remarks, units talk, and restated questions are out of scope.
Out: 11:47
